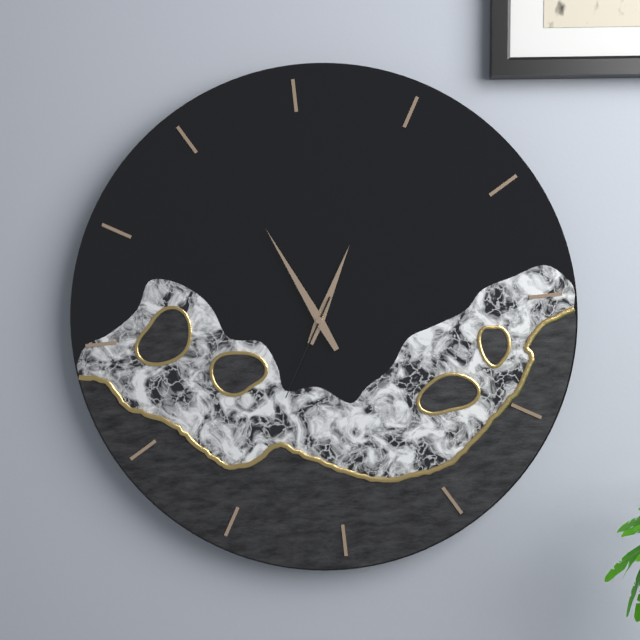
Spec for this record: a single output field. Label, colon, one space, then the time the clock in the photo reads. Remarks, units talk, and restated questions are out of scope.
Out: 12:56:35
